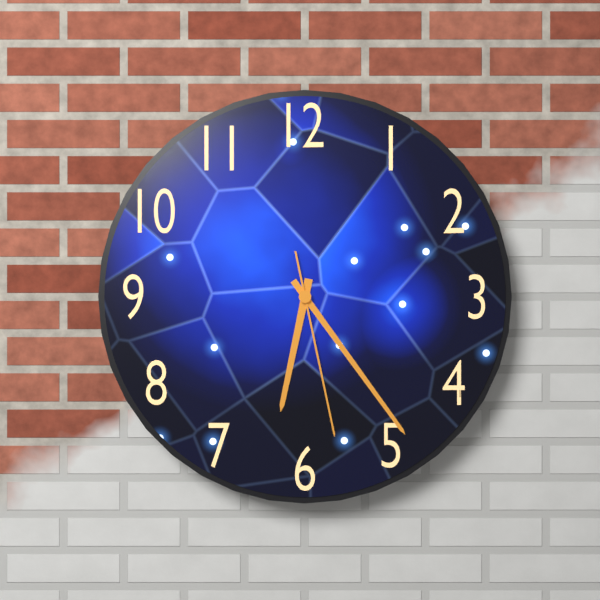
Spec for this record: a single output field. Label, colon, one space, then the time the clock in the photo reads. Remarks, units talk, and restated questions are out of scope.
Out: 6:24:28
